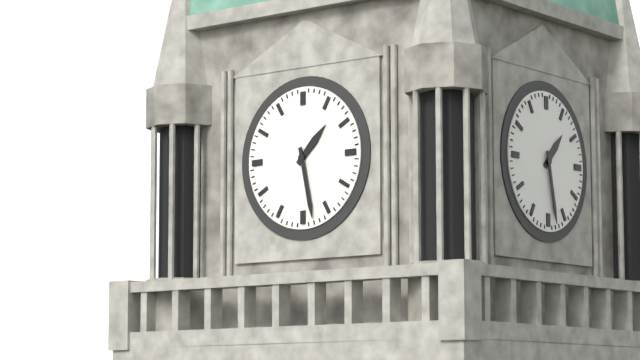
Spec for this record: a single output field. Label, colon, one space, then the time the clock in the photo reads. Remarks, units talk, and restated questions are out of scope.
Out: 1:28
